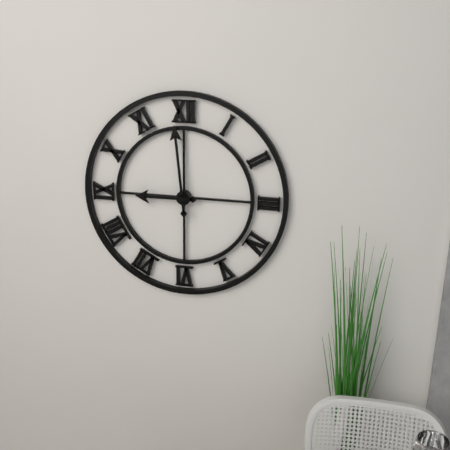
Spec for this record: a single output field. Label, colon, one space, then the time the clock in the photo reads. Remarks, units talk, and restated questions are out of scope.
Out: 8:59
